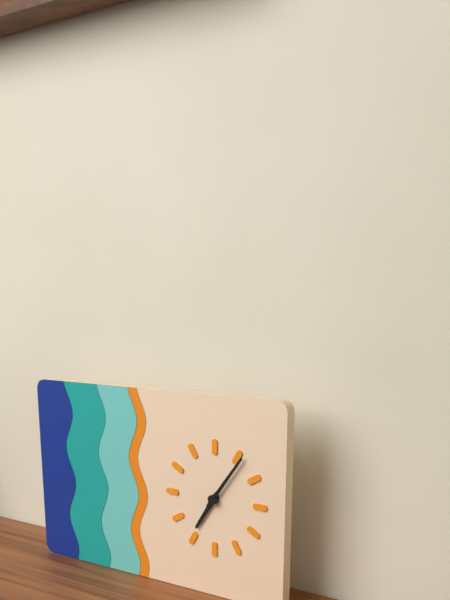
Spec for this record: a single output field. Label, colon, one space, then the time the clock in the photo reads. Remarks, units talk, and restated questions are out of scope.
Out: 7:06
